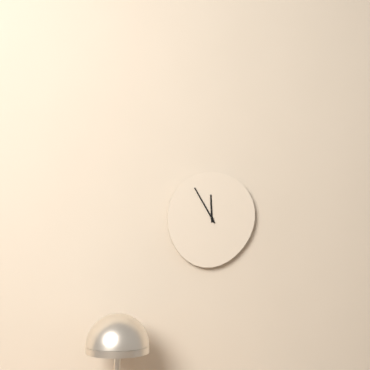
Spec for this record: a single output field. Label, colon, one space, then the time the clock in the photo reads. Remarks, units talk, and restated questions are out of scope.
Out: 11:55
